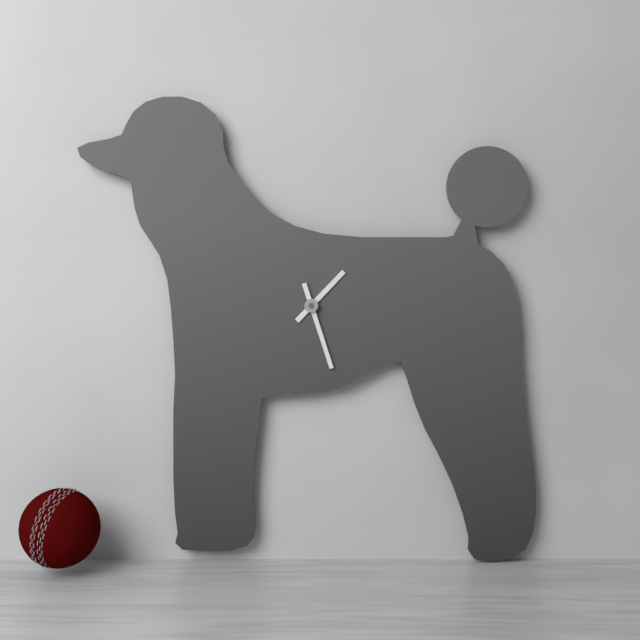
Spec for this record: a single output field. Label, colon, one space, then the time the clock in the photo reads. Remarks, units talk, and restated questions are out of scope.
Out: 1:27
